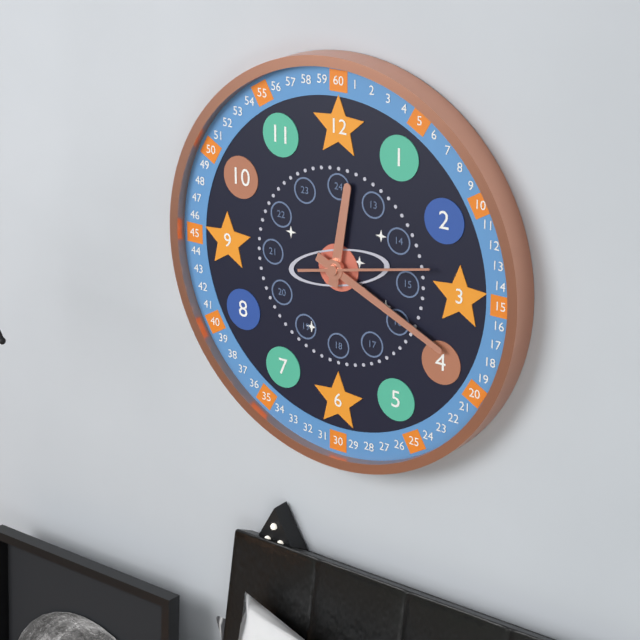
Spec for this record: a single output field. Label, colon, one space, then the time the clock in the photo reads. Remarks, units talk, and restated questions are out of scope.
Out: 12:19:13
